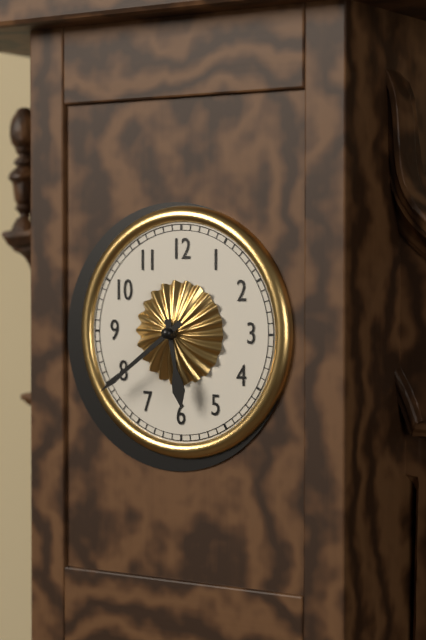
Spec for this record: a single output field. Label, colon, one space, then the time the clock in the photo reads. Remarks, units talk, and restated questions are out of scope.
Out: 5:39
